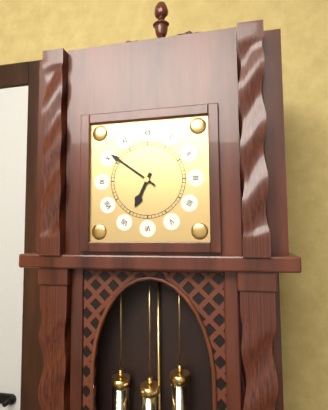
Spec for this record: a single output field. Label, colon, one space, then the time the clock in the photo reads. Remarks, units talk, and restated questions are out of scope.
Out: 6:51
